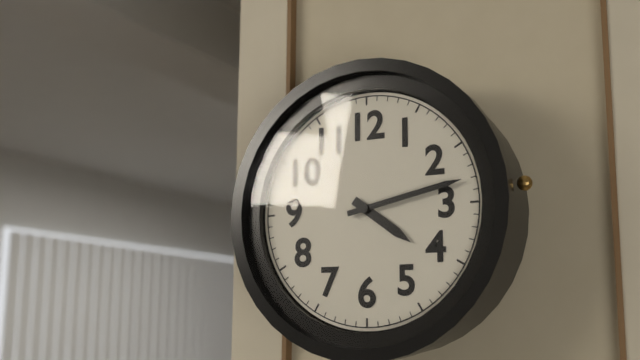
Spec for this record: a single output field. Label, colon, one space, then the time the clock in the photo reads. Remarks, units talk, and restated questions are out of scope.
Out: 4:13
